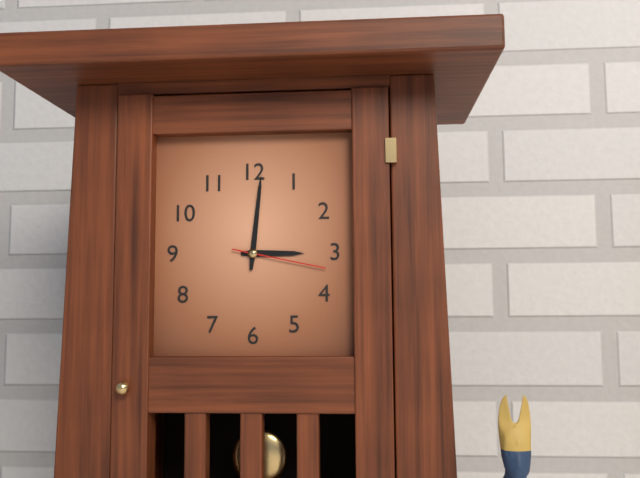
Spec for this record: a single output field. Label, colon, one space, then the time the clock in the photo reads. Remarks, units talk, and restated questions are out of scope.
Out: 3:01:17
